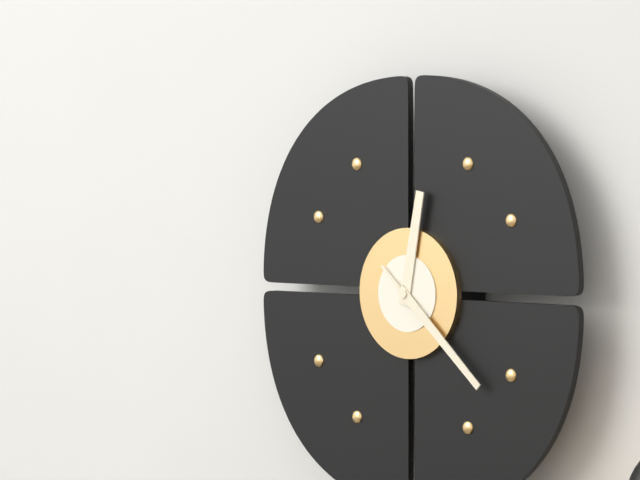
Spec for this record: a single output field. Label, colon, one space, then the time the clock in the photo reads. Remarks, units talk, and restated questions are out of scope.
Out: 12:22
